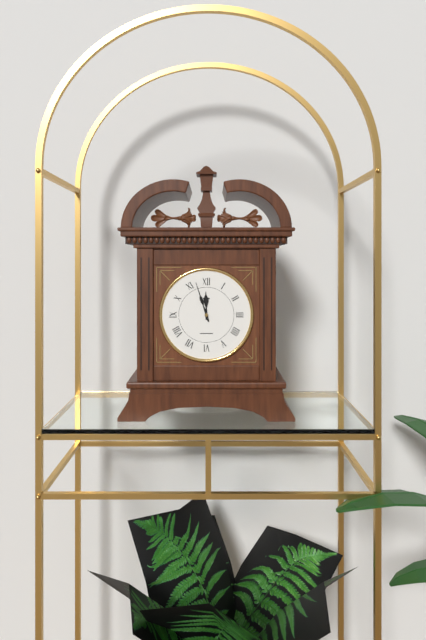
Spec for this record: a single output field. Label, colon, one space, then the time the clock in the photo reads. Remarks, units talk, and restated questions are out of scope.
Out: 11:57
